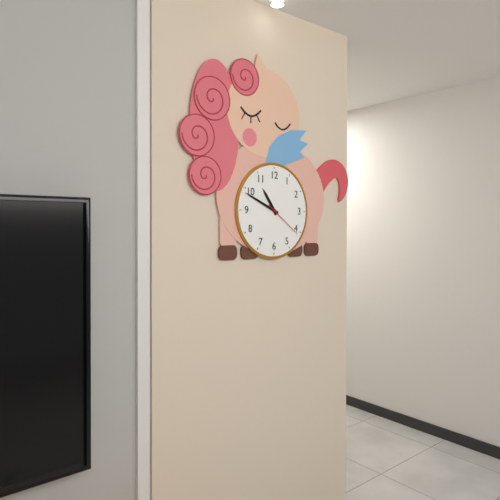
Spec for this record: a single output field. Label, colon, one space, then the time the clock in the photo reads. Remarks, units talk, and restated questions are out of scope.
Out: 10:49
